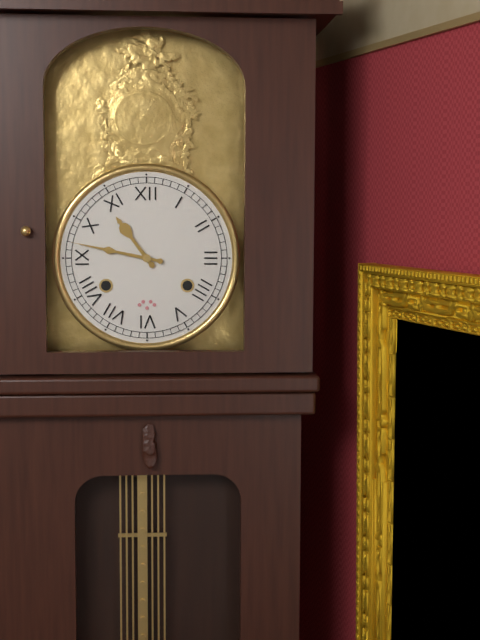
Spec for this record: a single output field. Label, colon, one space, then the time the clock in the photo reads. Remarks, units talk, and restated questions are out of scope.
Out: 10:47
